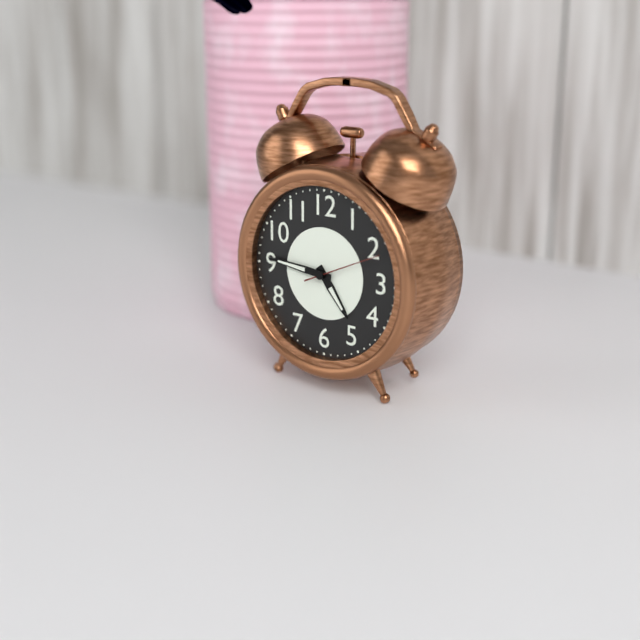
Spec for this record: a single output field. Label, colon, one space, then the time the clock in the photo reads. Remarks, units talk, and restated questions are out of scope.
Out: 4:46:11
